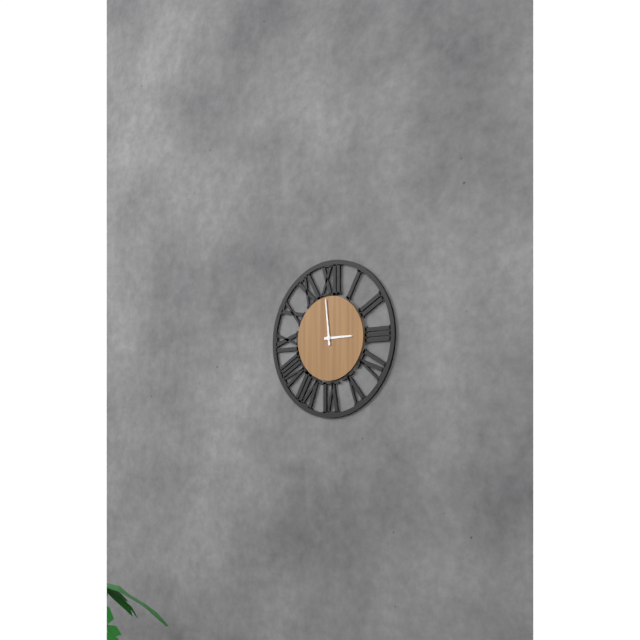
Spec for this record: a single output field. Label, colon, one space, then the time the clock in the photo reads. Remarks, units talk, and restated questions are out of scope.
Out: 2:59
